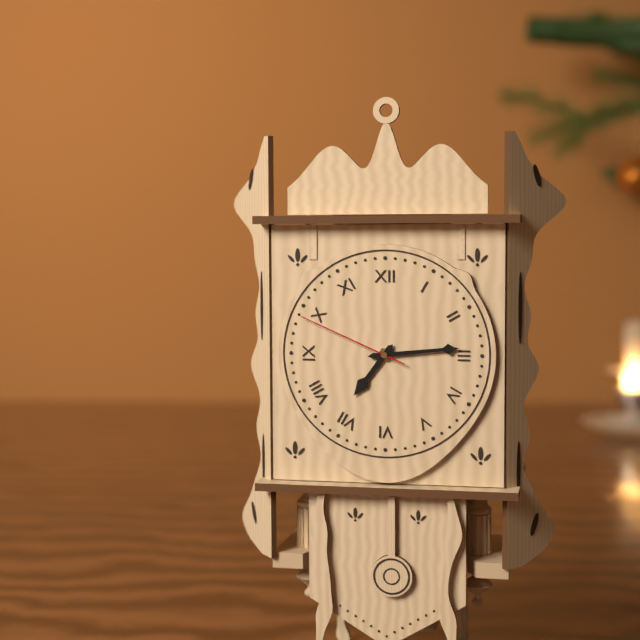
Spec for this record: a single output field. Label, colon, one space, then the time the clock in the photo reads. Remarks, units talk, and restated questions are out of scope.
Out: 7:14:49
